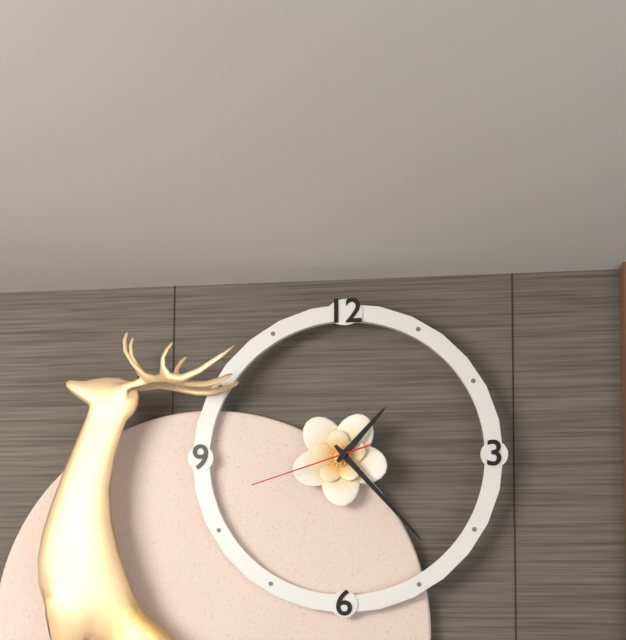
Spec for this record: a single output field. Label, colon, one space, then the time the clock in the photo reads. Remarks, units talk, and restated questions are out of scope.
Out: 1:23:42
